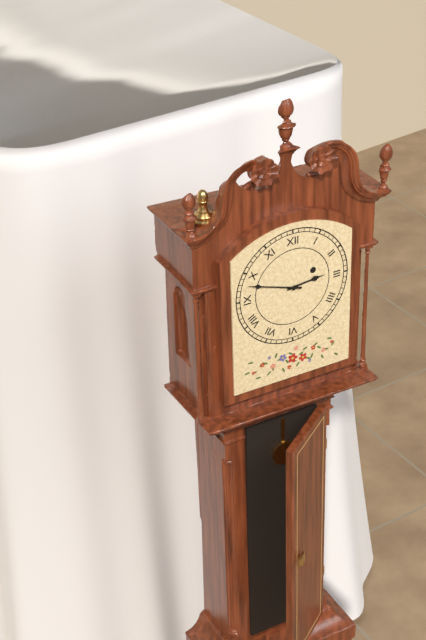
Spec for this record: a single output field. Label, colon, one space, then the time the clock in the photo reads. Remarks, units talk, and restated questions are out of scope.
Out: 2:48
